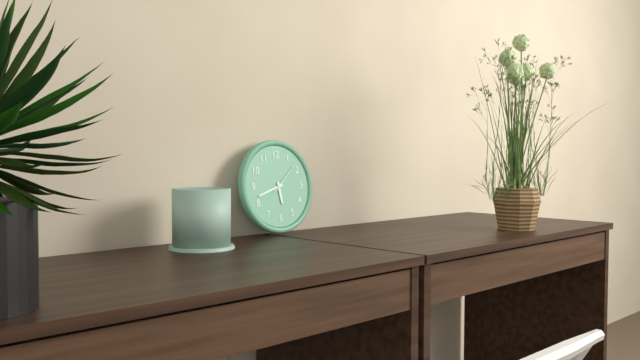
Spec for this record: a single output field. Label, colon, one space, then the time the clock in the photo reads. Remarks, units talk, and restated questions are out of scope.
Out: 5:42
